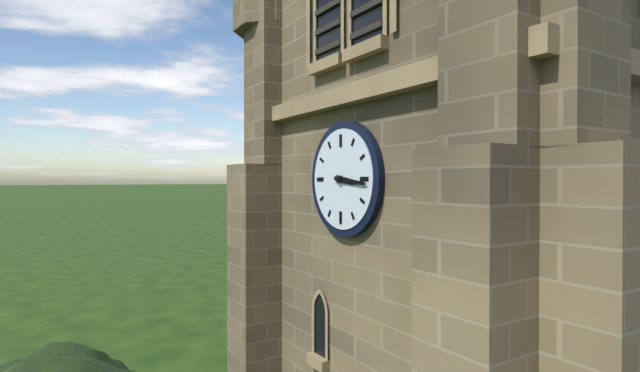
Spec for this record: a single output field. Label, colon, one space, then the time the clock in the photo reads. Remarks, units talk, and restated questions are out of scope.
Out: 3:16
